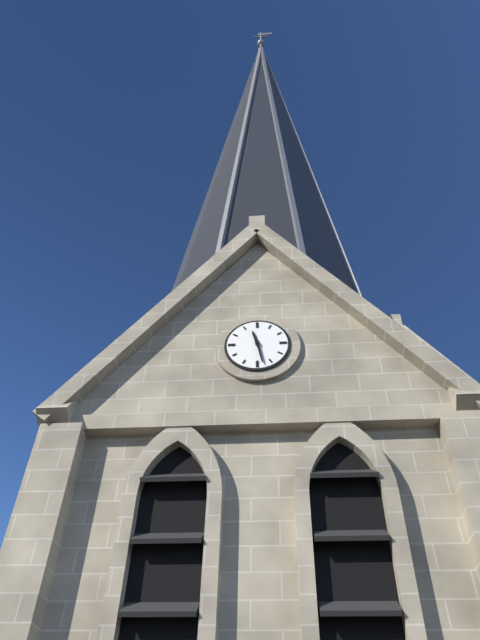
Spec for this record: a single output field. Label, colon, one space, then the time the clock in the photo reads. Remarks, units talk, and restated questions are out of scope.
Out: 11:28
